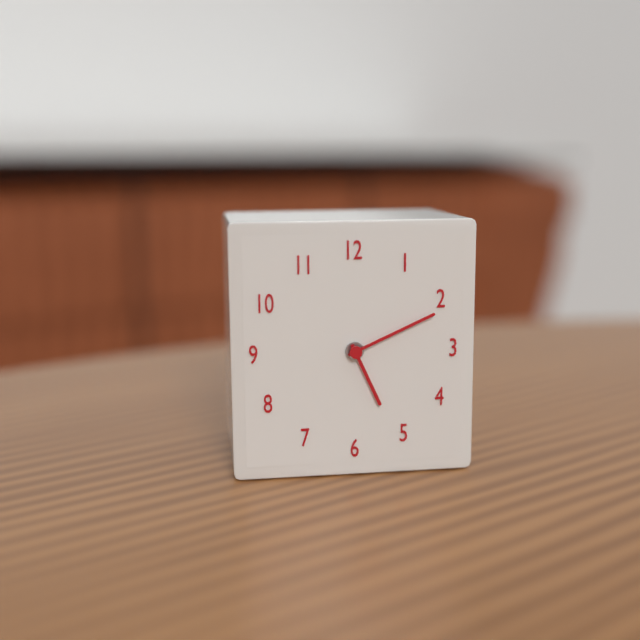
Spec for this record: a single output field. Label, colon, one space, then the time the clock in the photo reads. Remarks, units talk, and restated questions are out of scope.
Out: 5:11
